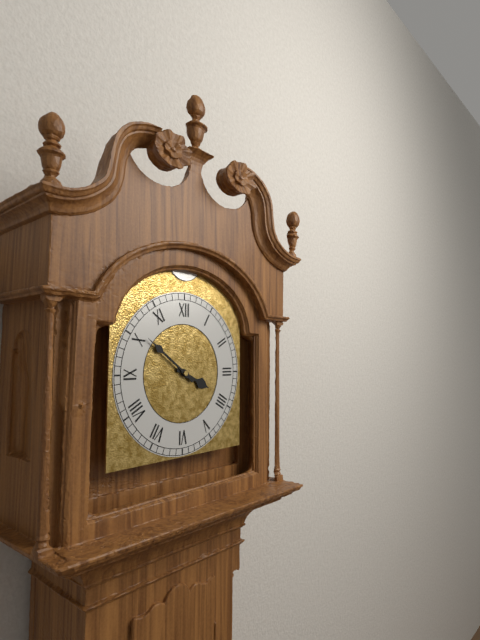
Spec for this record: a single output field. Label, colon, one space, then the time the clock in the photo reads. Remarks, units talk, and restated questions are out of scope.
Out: 3:51
